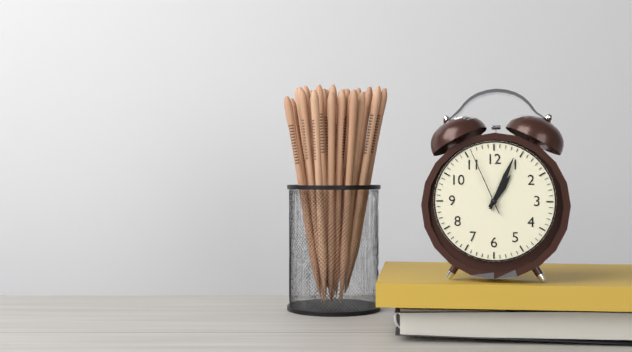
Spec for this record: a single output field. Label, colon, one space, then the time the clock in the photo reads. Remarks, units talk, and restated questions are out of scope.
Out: 1:04:56
